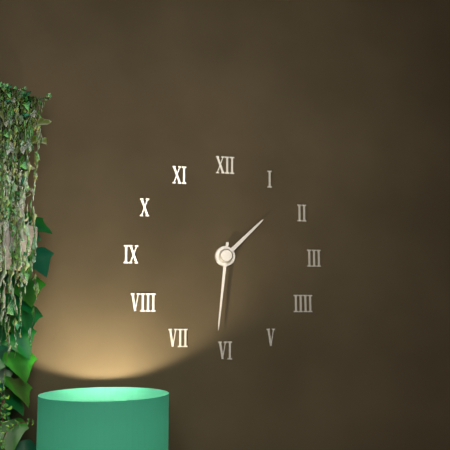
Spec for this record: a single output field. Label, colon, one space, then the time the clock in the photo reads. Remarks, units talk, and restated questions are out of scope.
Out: 1:31
